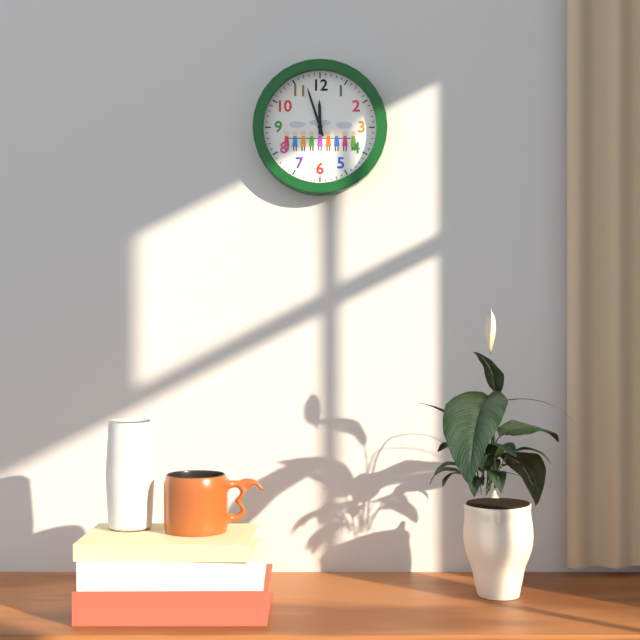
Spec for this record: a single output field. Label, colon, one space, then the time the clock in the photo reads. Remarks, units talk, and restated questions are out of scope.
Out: 11:57
